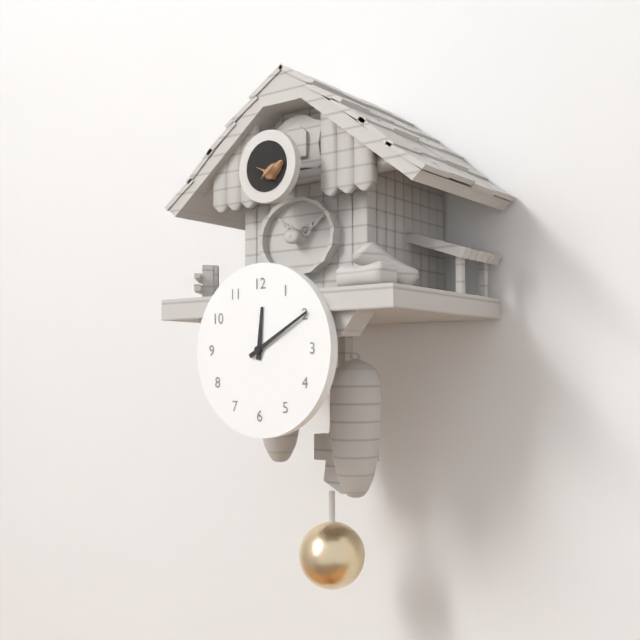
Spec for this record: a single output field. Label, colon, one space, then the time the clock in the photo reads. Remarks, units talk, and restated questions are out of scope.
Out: 12:10
